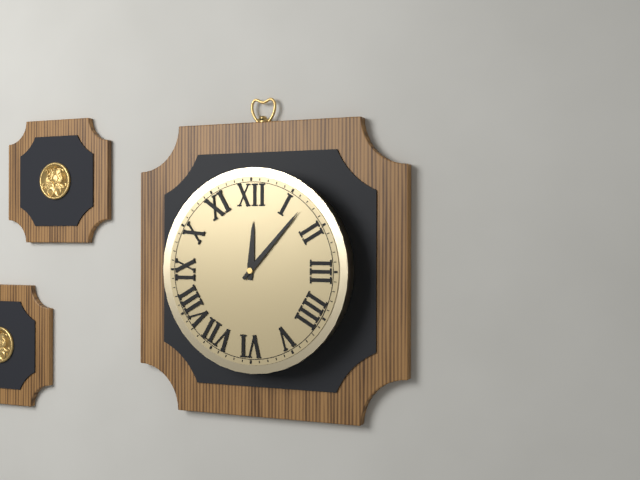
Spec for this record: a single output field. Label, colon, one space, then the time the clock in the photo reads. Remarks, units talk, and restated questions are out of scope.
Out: 12:07
